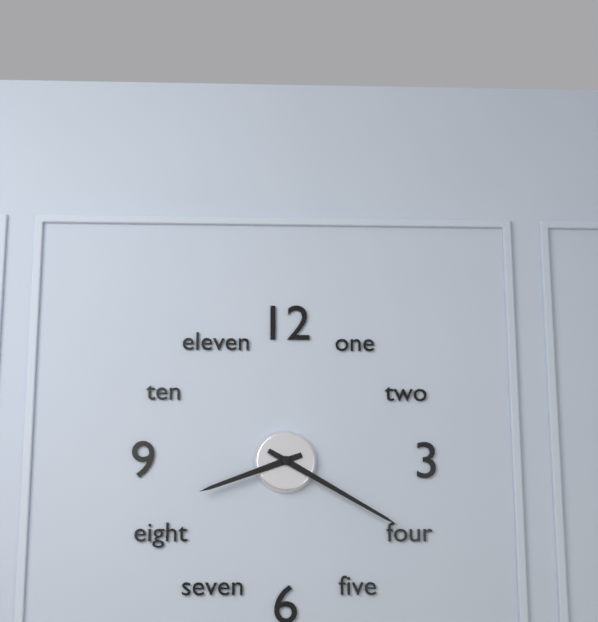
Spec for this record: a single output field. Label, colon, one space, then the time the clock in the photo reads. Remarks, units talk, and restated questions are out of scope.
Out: 8:20
